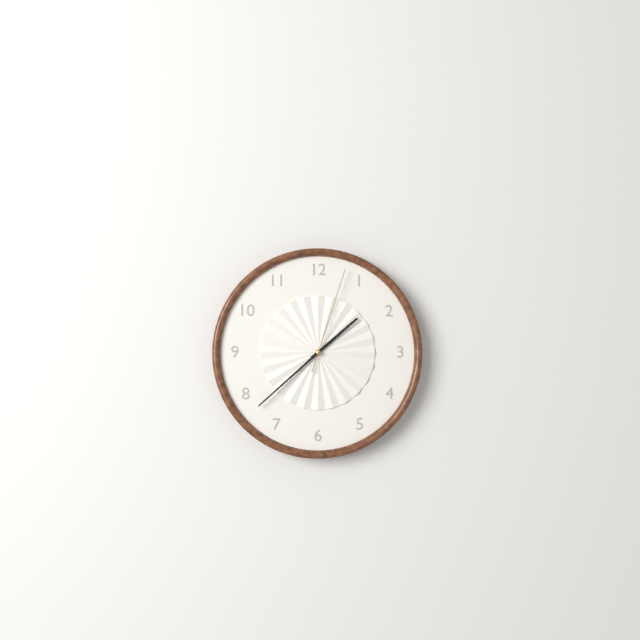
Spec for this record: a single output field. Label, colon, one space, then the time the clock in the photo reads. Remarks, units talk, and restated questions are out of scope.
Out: 1:38:03
